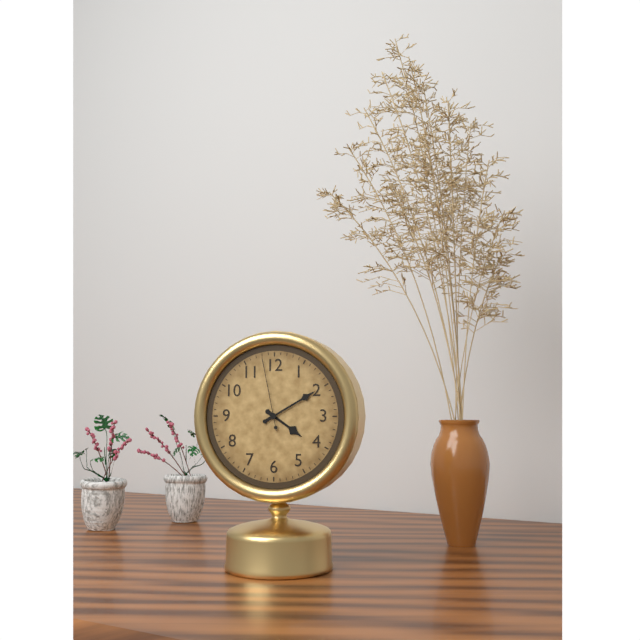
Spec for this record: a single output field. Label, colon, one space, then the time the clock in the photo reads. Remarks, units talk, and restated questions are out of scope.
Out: 4:10:58
